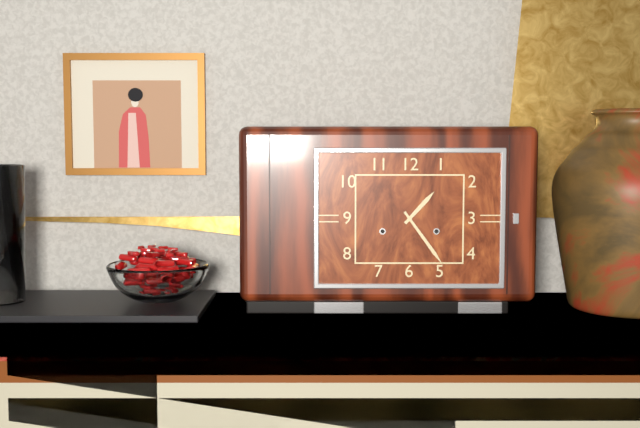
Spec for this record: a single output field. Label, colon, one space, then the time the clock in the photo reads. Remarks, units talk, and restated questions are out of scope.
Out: 1:24
